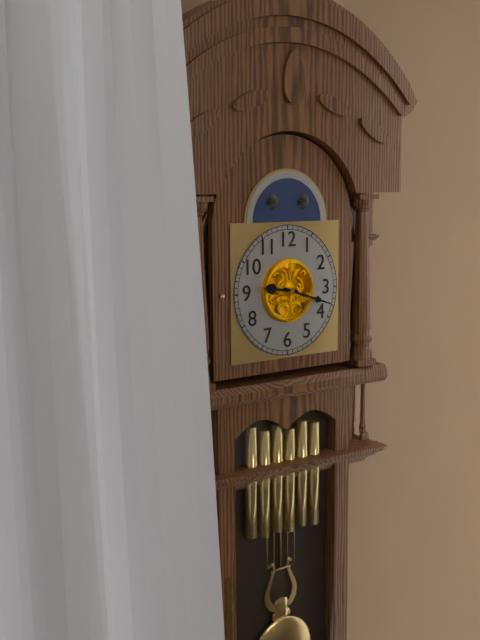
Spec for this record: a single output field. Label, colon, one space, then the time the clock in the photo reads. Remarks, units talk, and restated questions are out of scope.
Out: 9:18
